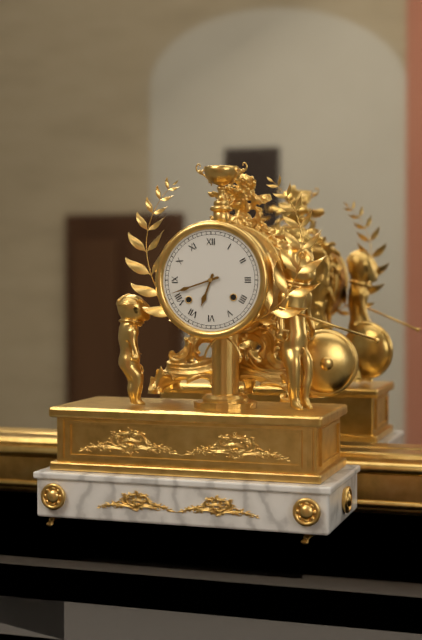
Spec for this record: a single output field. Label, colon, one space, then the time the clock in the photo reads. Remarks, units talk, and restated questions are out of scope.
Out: 6:42
